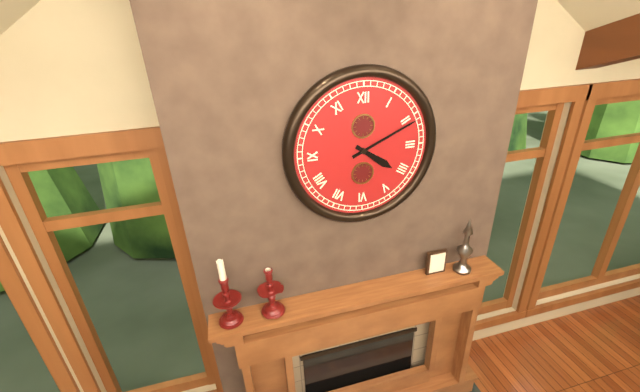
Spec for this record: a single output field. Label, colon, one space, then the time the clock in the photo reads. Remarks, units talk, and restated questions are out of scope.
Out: 4:11
